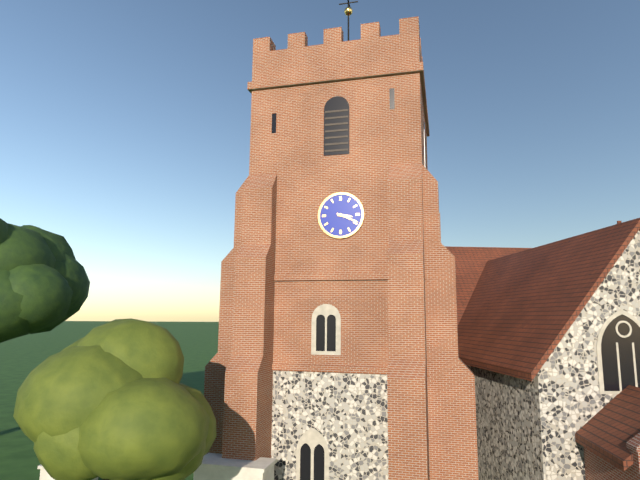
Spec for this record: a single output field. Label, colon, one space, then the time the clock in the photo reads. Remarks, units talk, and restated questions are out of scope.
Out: 3:19
